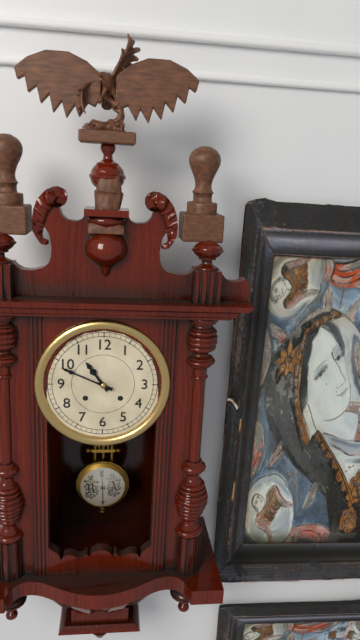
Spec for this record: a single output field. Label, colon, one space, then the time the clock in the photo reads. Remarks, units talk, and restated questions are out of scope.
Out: 10:49
